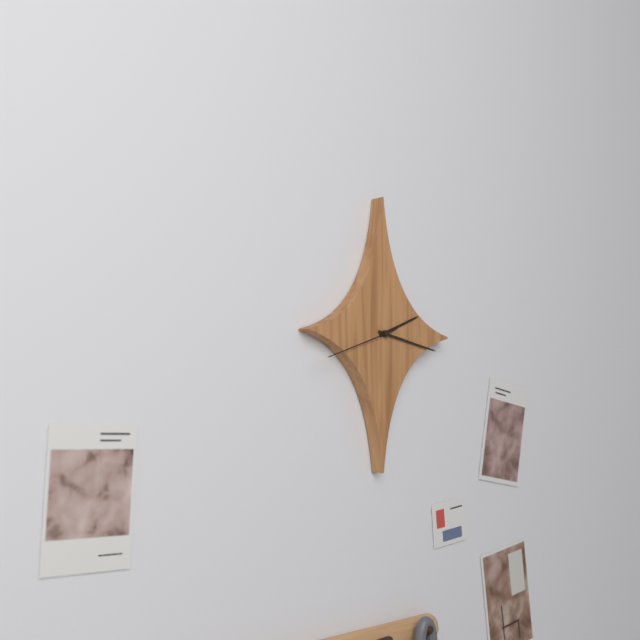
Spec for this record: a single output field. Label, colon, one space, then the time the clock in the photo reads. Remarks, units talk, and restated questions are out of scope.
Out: 2:17:42
